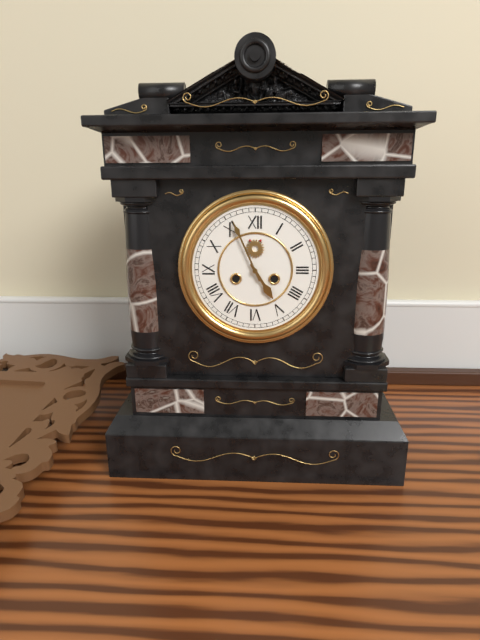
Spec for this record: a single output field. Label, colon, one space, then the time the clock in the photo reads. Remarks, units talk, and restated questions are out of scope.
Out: 4:56
